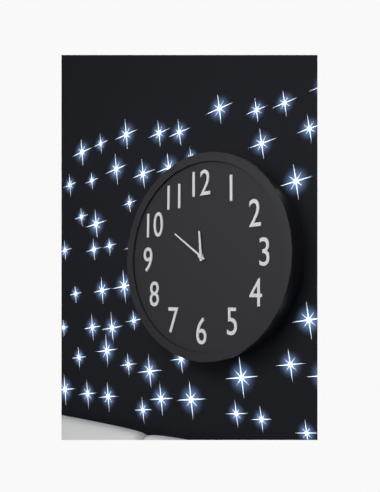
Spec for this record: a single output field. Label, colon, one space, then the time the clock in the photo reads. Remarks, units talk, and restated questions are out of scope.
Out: 11:51
